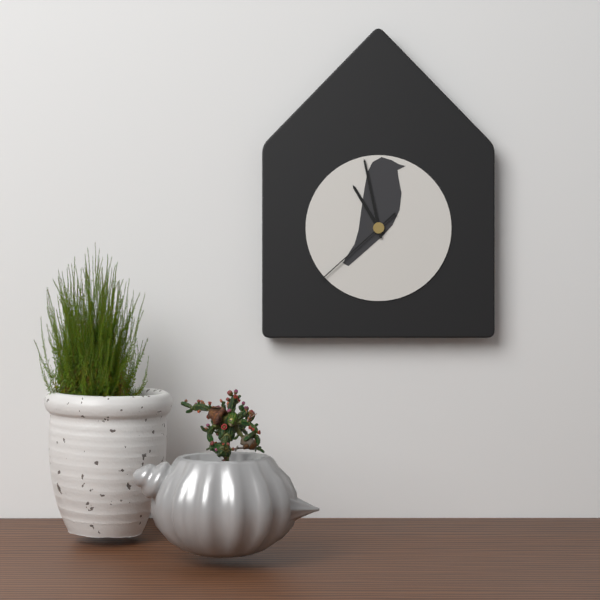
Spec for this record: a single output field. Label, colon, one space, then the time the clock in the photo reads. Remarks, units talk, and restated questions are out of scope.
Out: 10:58:38
